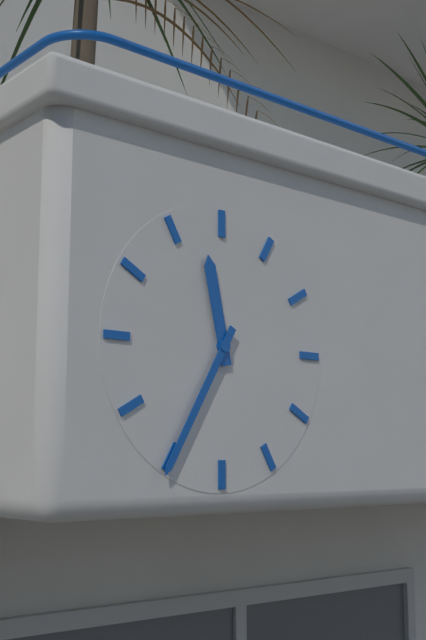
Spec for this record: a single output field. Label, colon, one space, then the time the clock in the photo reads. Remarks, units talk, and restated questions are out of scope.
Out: 11:35
